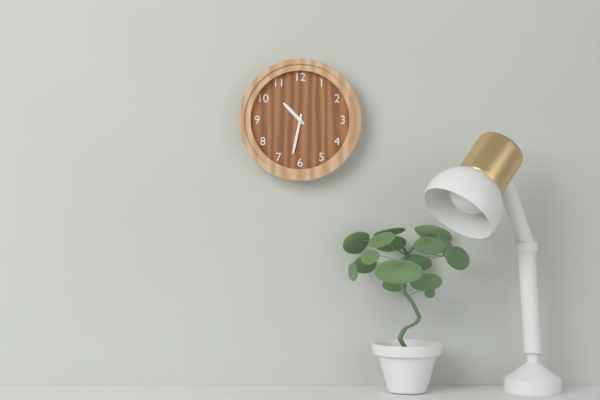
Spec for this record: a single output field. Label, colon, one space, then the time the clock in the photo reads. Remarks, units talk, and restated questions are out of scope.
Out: 10:32
